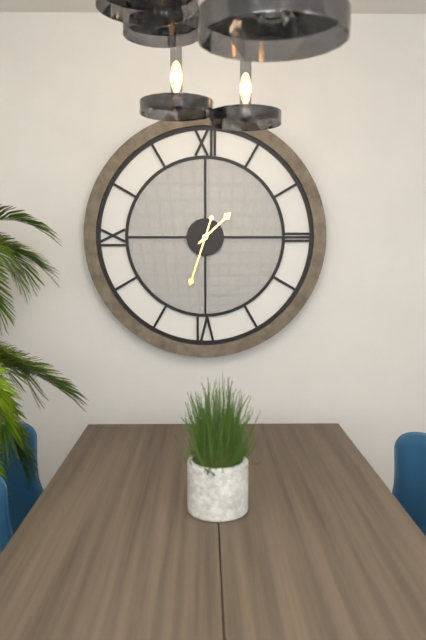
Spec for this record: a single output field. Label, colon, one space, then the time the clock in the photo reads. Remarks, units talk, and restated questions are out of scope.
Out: 1:33
